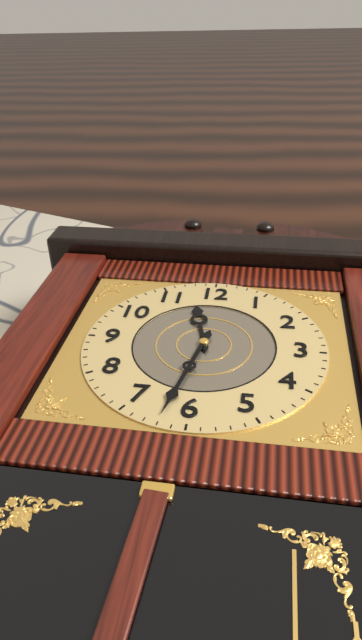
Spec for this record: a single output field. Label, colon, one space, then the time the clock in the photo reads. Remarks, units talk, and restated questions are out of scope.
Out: 11:32
